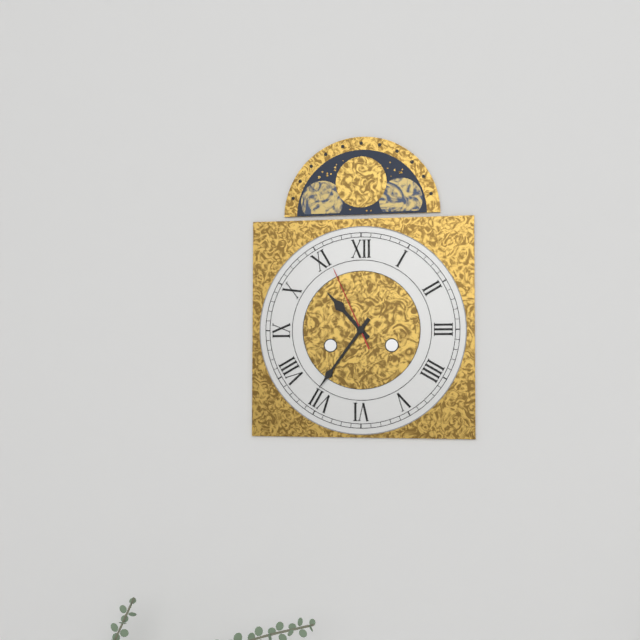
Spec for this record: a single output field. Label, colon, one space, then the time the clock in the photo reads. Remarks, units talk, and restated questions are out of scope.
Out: 10:36:56
